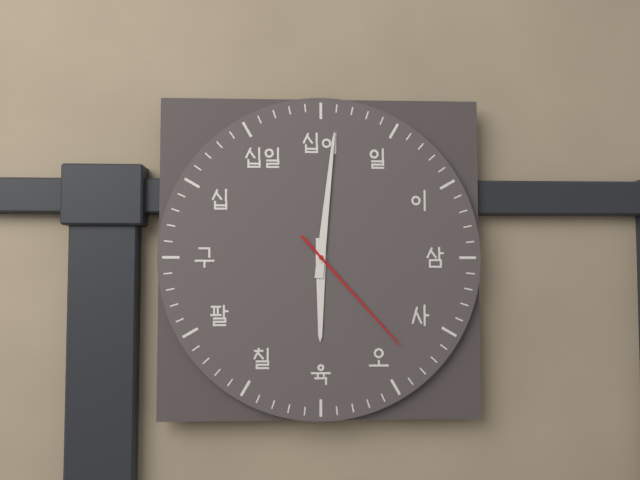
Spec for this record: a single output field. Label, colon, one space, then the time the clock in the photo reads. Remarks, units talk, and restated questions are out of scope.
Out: 6:01:23
